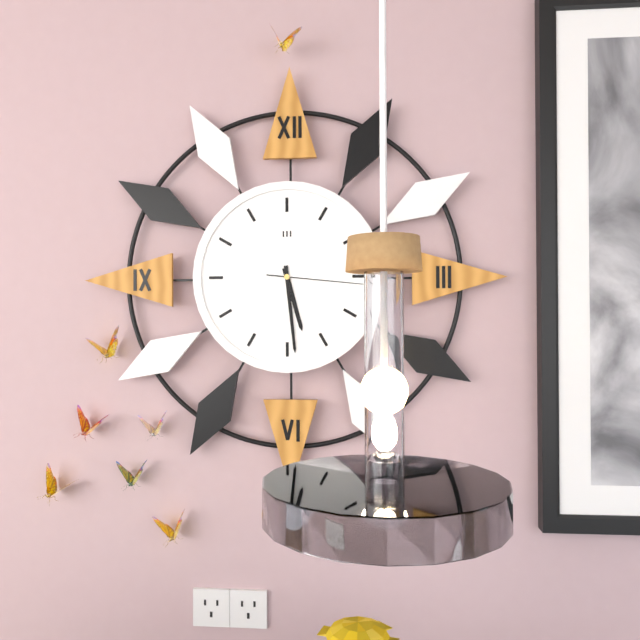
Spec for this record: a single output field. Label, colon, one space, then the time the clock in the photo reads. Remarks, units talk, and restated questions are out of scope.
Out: 5:29:16
